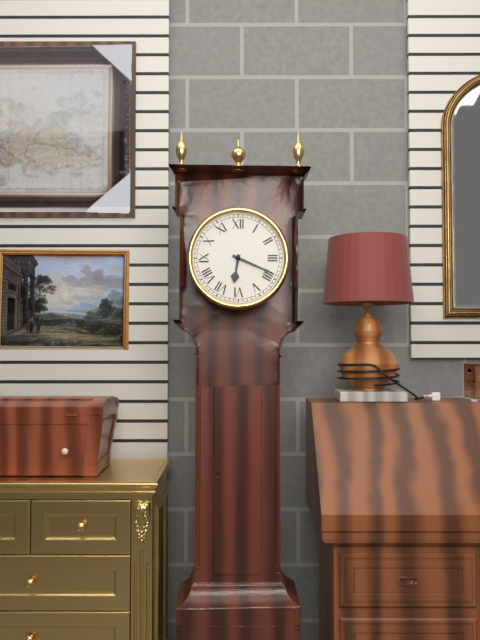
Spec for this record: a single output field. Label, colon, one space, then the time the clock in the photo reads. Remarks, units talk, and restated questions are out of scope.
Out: 6:19
